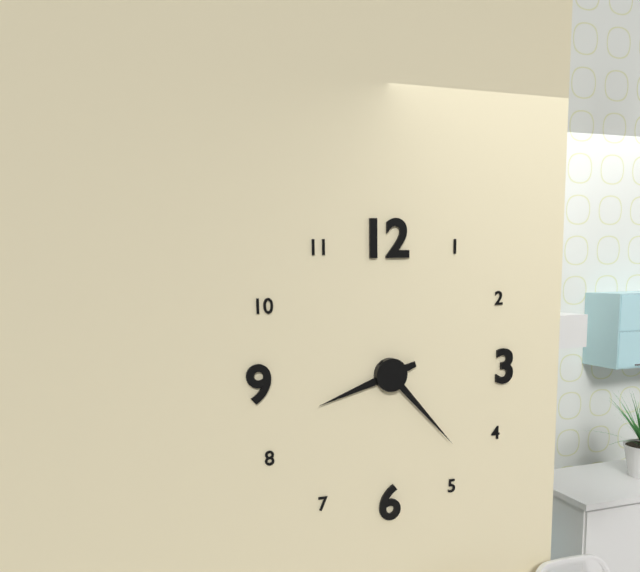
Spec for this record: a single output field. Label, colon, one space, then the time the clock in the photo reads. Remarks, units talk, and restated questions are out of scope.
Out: 8:23
